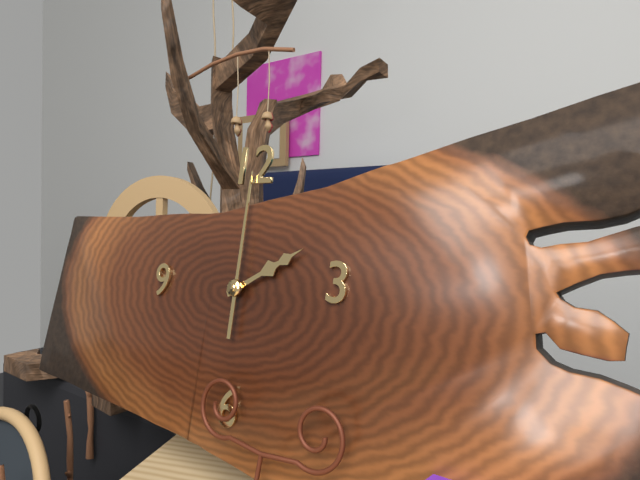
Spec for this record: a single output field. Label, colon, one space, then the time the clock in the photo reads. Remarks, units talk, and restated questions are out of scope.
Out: 2:00
